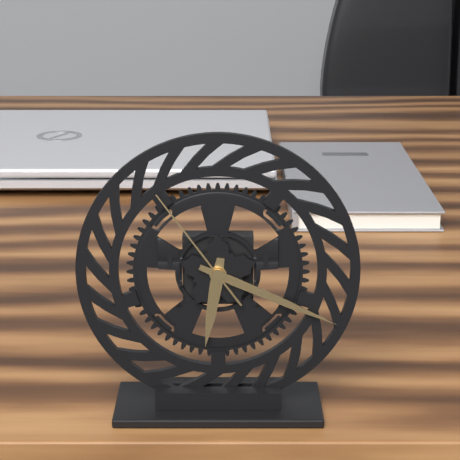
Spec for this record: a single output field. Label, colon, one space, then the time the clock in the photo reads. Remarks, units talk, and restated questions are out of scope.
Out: 6:19:54
